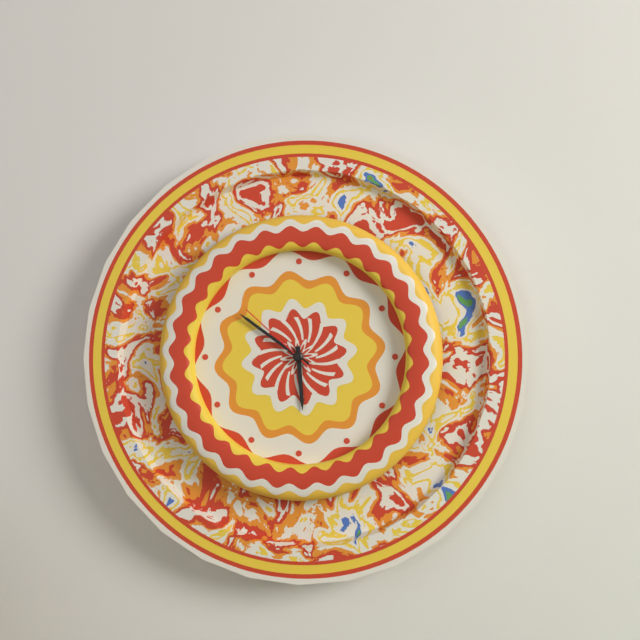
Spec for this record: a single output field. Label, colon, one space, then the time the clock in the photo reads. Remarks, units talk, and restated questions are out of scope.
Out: 5:51:52
